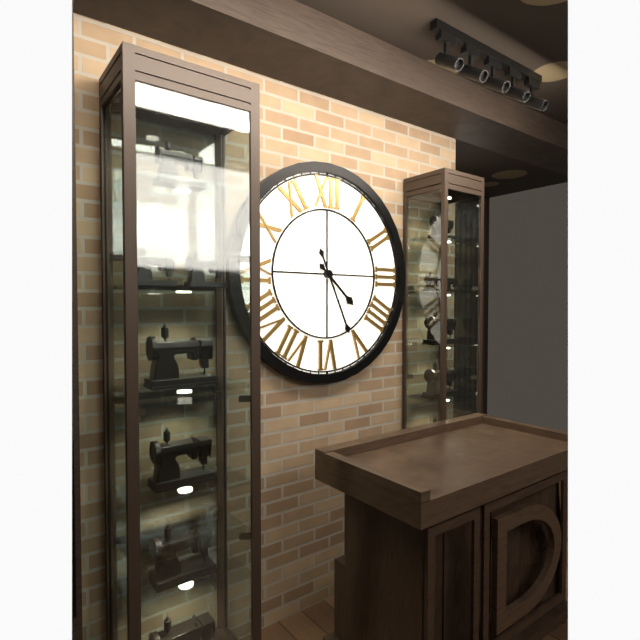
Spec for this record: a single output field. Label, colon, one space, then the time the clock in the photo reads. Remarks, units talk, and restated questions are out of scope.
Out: 4:26
